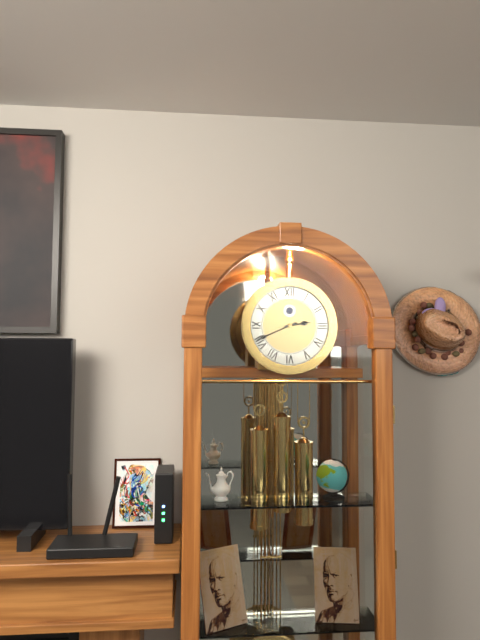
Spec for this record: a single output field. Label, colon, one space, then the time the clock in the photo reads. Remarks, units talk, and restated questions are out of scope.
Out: 2:41
